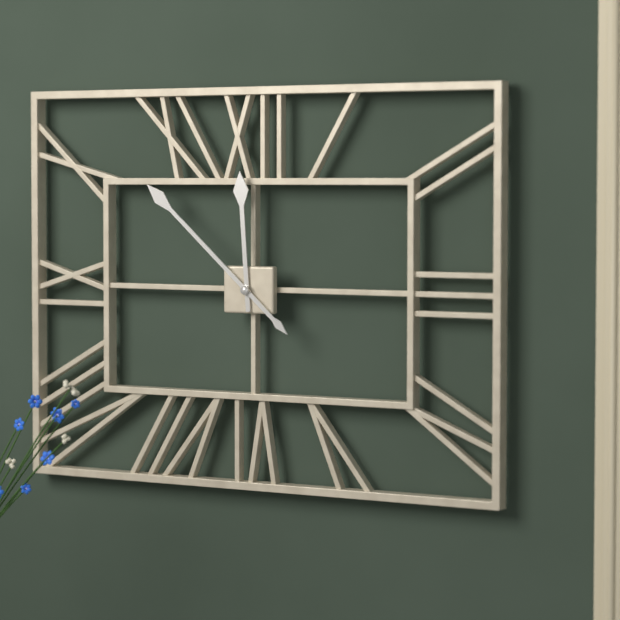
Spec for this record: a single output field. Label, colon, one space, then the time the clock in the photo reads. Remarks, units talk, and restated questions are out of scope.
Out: 11:52
